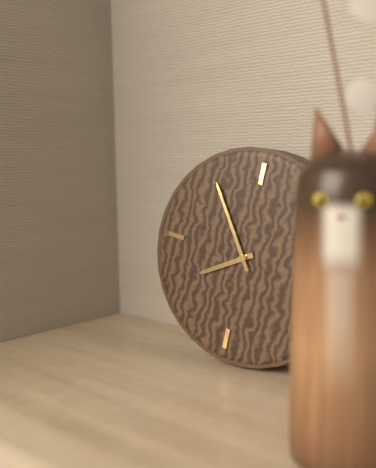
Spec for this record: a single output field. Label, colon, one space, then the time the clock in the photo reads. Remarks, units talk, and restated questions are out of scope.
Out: 7:54
